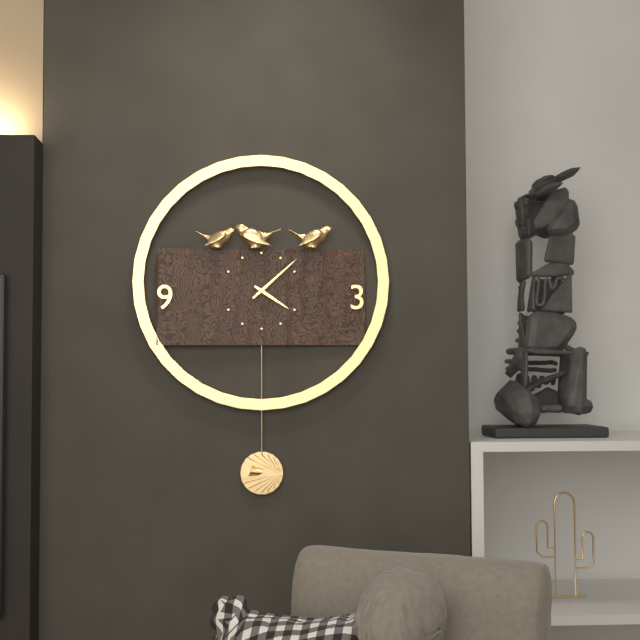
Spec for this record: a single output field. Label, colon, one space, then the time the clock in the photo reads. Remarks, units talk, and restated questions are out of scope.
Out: 4:08
